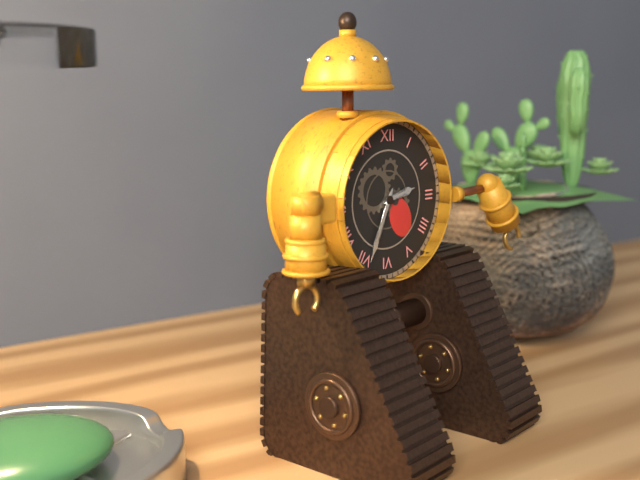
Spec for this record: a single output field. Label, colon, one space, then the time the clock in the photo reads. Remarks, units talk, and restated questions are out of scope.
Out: 2:34
